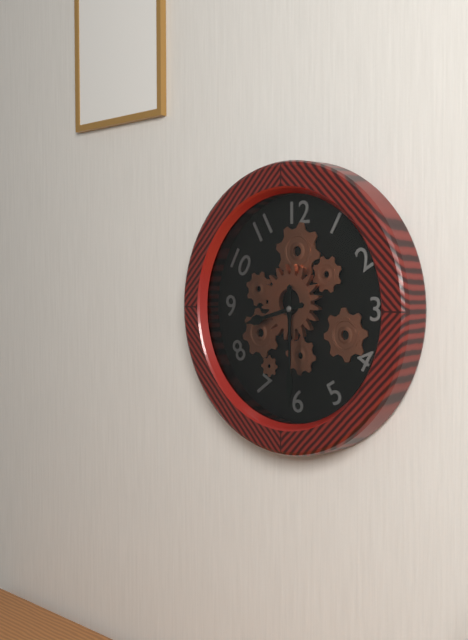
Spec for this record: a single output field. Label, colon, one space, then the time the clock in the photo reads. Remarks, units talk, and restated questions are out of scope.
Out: 8:30
